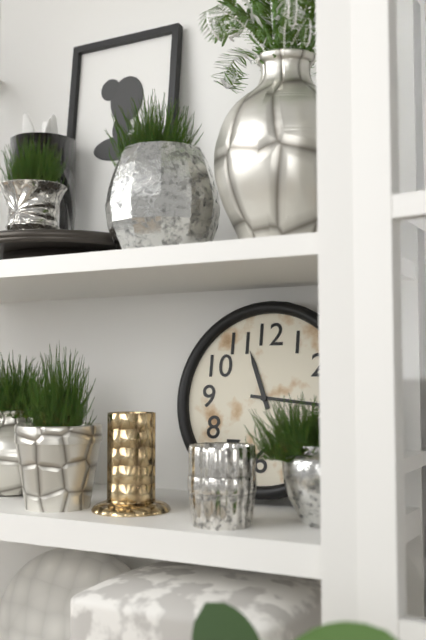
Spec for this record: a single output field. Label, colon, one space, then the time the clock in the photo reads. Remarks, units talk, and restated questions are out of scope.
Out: 11:16
